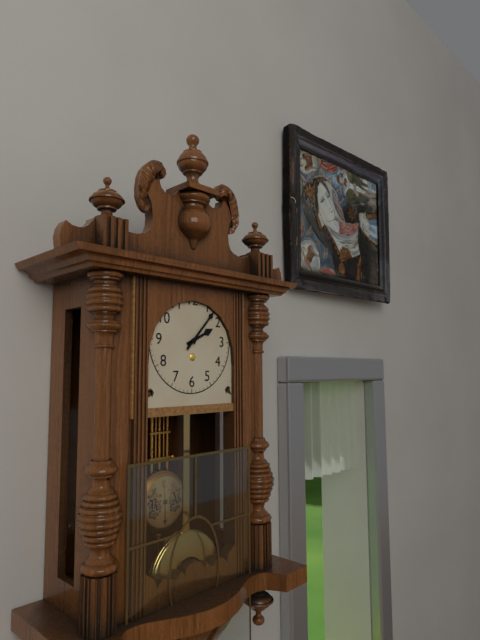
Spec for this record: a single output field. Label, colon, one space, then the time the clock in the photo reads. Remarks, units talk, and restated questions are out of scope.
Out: 2:07
